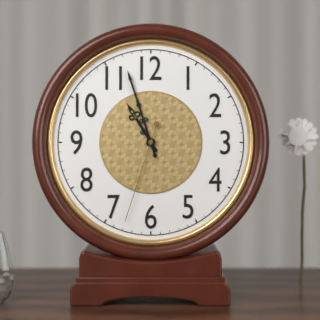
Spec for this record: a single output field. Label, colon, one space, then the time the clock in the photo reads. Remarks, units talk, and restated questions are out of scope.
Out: 10:57:33
